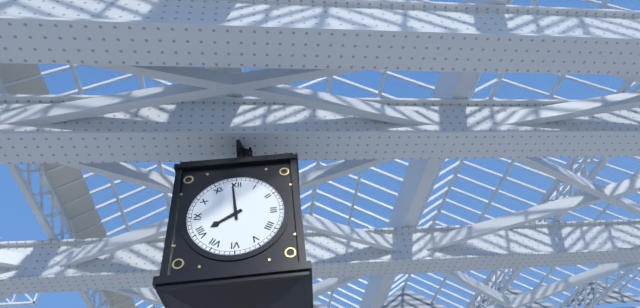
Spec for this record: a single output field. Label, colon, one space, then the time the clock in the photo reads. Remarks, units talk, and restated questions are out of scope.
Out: 7:59
